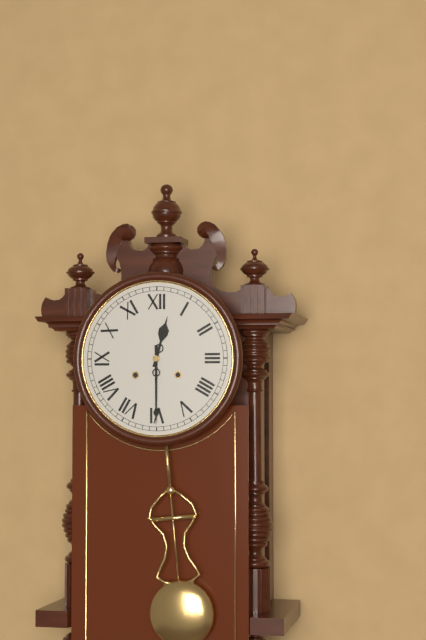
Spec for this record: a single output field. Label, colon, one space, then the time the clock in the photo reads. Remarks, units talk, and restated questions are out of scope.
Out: 12:30
